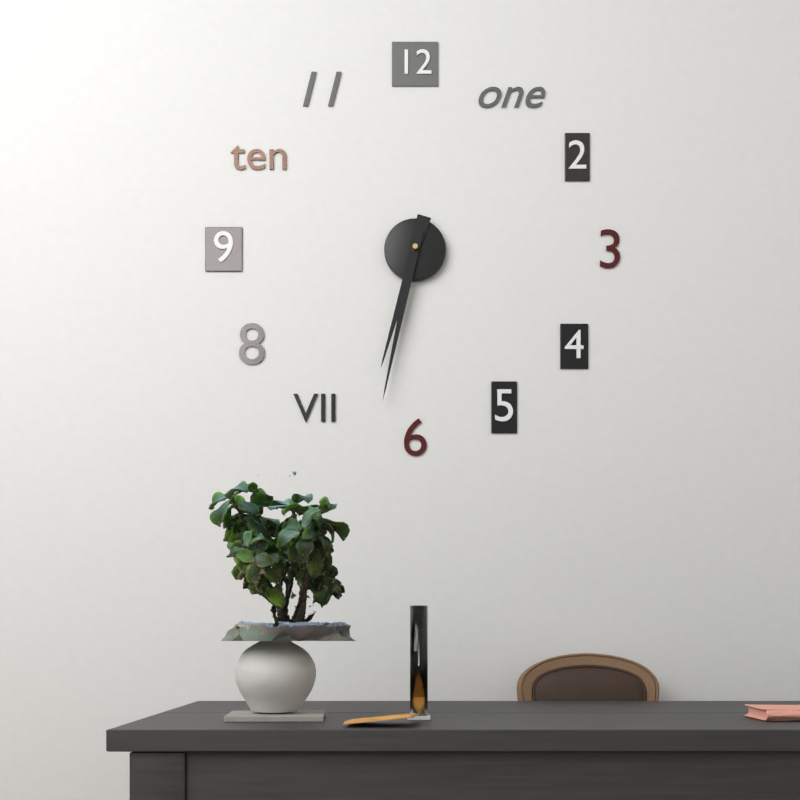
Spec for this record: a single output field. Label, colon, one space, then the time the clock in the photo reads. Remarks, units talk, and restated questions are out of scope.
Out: 6:32
